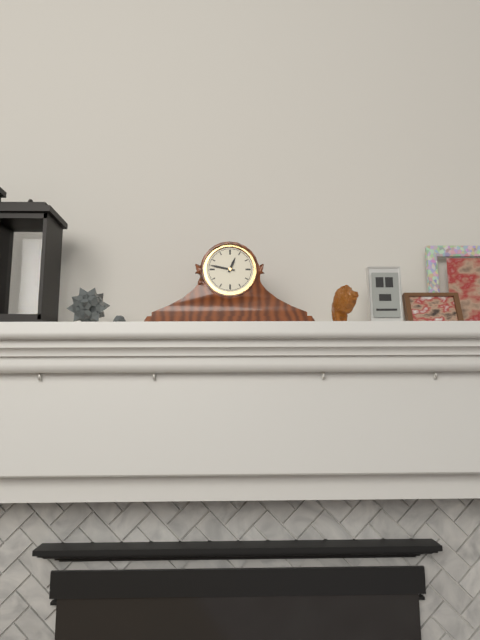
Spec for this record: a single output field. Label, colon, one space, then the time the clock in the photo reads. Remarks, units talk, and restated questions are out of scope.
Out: 12:47
